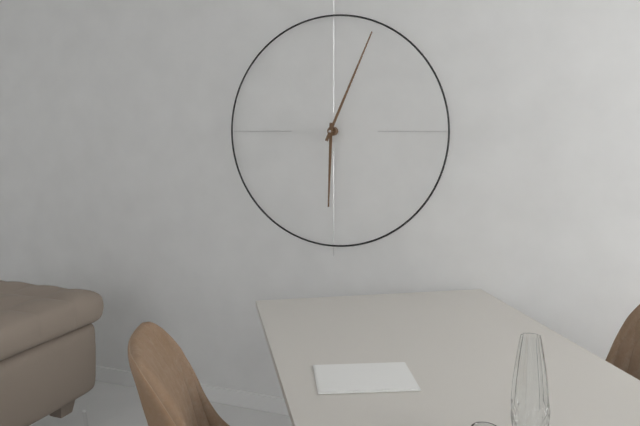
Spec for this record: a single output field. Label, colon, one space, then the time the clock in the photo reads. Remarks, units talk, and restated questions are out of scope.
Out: 6:04
